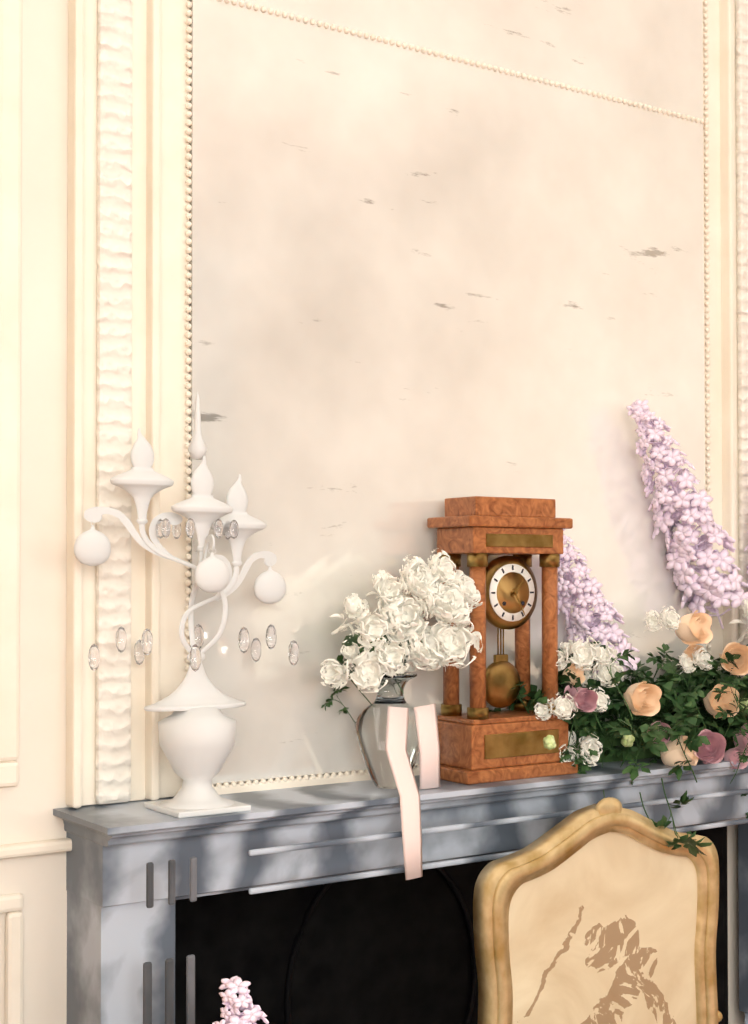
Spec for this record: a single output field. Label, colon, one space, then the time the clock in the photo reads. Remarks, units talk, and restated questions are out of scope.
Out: 1:25
